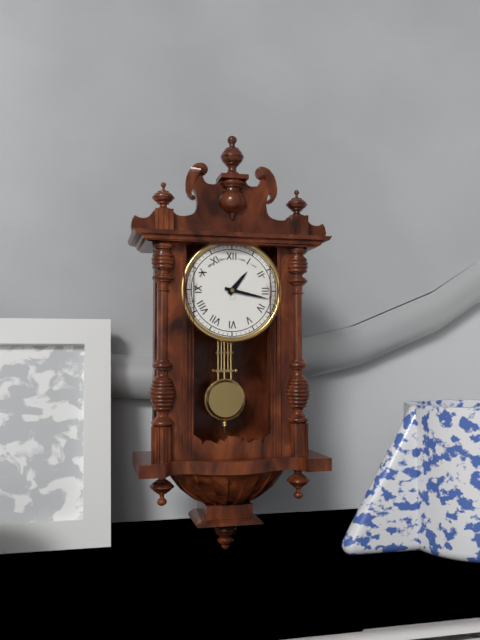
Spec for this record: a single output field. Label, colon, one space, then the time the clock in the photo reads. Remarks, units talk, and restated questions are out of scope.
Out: 1:17
